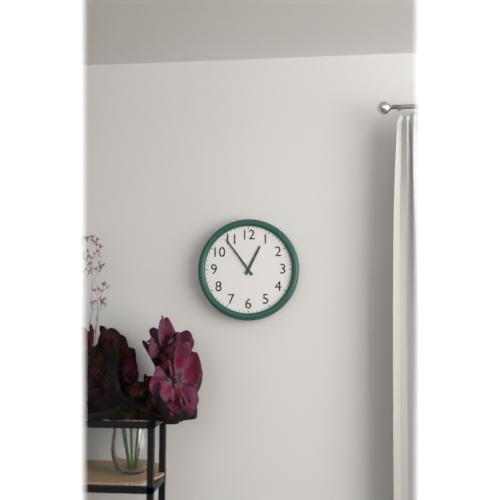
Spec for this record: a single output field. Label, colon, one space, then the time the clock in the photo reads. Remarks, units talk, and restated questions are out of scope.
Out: 12:54
